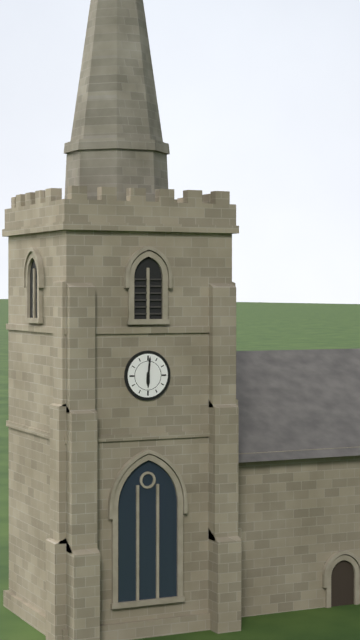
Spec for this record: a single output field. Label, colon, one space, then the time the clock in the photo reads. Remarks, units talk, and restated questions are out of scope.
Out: 6:01
